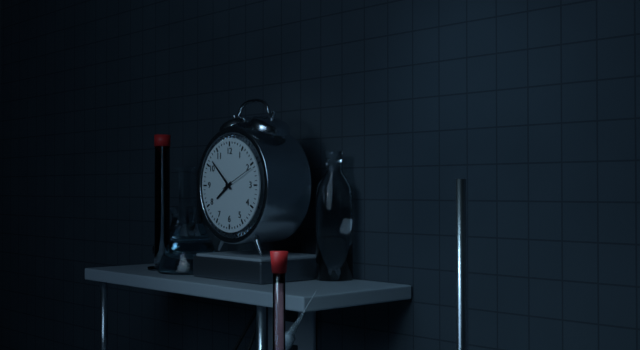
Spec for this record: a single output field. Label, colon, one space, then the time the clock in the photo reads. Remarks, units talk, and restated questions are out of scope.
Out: 7:52
